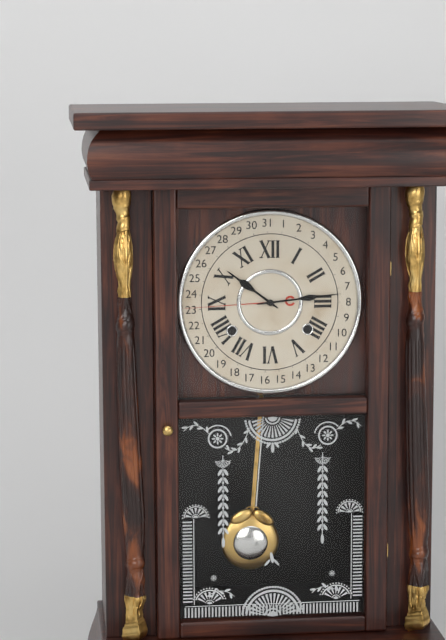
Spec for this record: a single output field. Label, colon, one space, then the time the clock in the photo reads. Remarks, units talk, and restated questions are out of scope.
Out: 10:14
